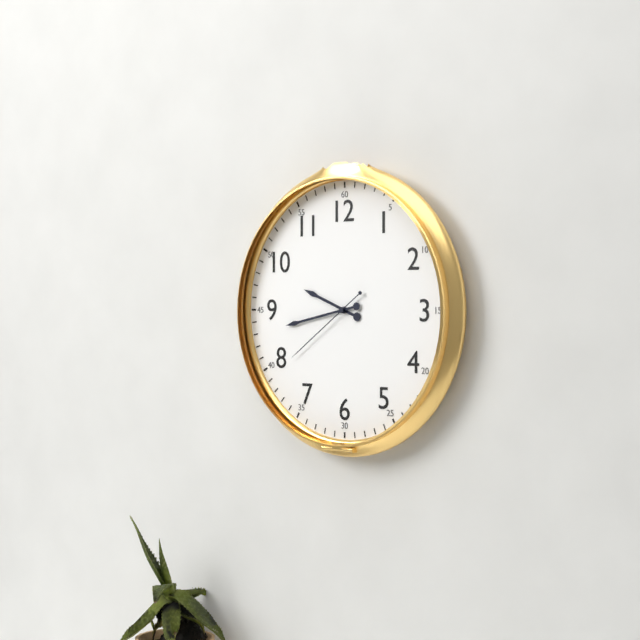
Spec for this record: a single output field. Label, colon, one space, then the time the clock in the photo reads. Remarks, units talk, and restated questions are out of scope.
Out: 9:43:39
